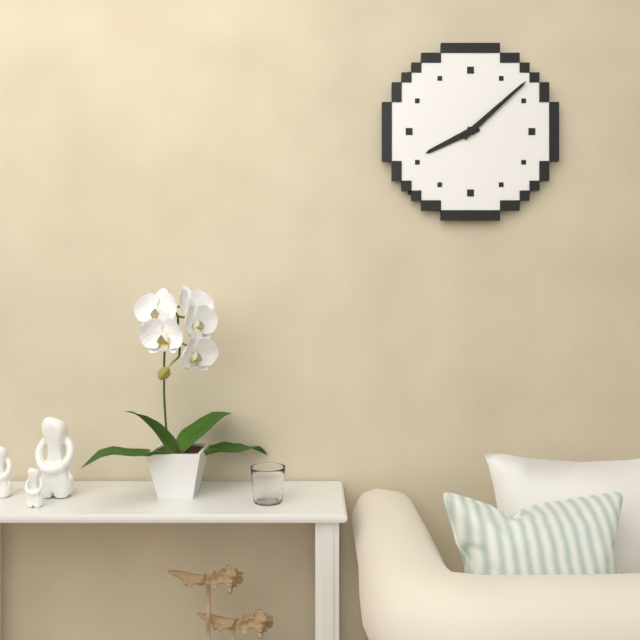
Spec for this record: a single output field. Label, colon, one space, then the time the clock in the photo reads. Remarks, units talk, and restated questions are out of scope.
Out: 8:08
